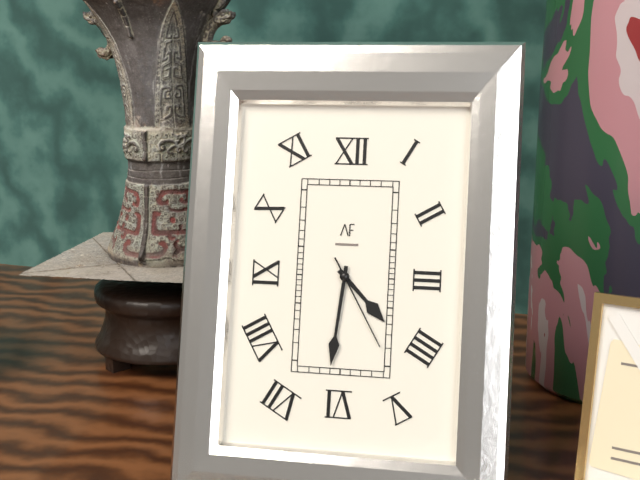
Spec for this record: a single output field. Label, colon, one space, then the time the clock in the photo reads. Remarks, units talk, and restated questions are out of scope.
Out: 4:31:25
